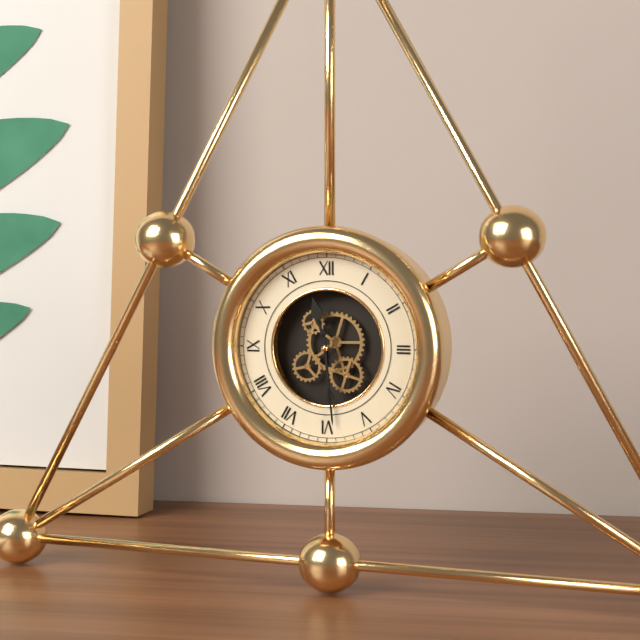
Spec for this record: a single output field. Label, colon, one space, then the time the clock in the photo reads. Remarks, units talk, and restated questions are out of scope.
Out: 11:29
